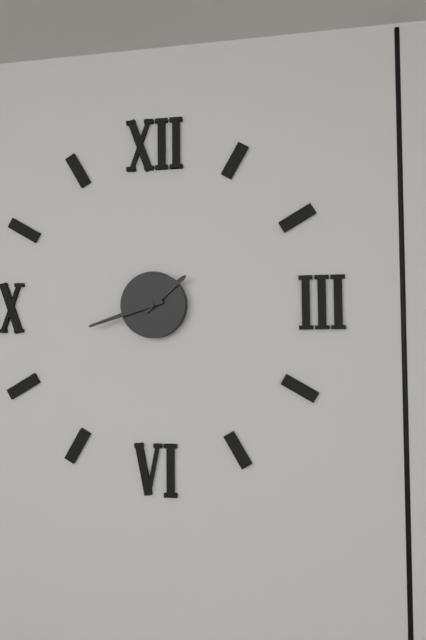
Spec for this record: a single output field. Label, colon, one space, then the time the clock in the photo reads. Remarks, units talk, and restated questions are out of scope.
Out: 1:42
